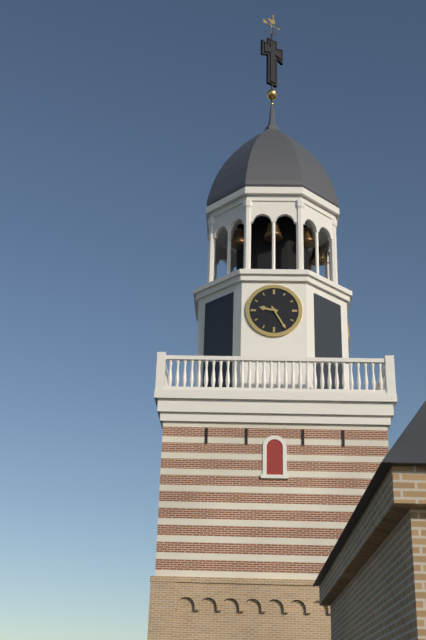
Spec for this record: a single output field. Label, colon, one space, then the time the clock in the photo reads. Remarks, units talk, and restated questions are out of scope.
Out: 9:25
